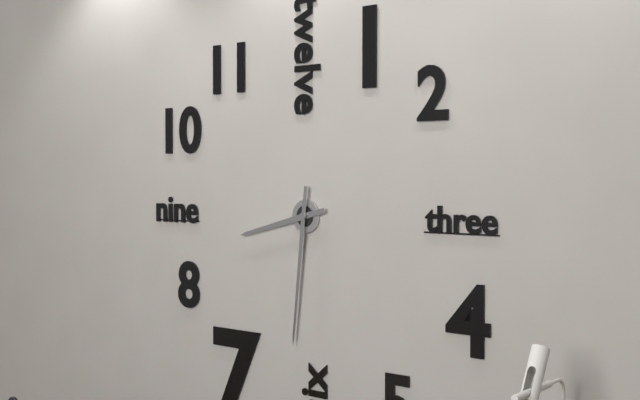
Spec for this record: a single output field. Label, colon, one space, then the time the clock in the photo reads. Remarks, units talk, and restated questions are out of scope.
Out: 8:31
